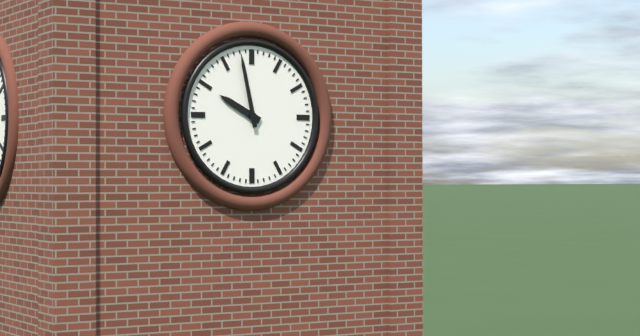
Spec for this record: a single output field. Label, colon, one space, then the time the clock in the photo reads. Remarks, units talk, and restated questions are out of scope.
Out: 9:58
